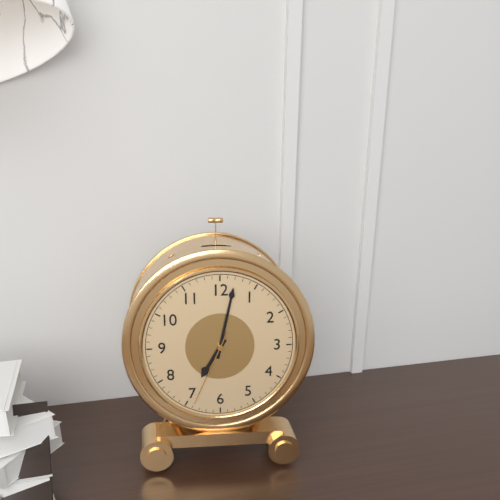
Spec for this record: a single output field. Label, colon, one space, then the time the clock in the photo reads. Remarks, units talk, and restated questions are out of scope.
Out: 7:02:34
